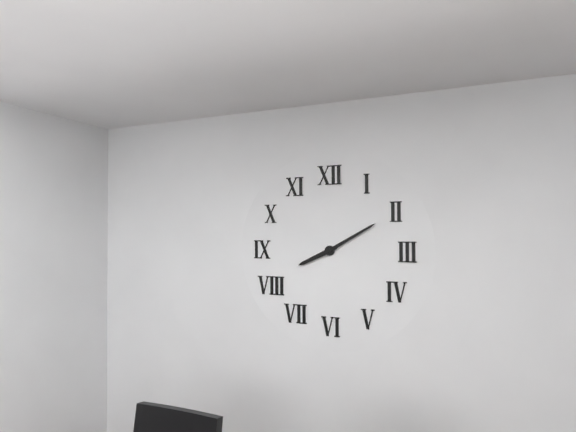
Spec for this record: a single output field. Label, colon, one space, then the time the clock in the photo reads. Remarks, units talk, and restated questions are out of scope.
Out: 8:10
